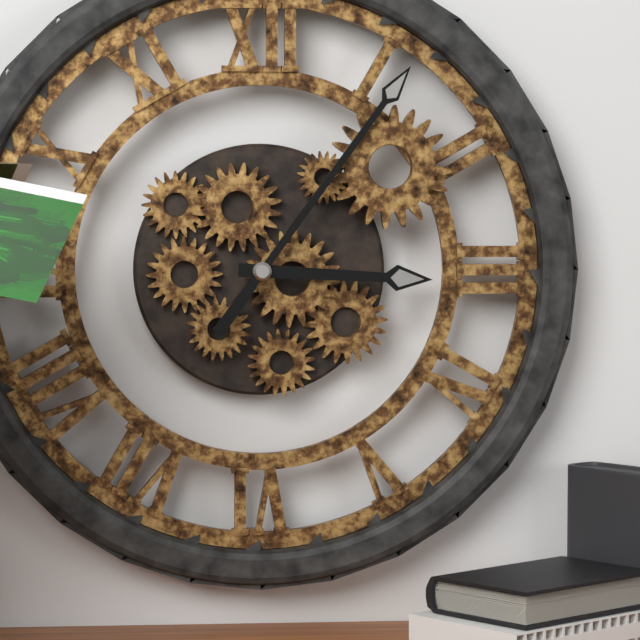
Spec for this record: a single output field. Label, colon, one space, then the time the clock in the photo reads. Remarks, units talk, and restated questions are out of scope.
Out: 3:06
